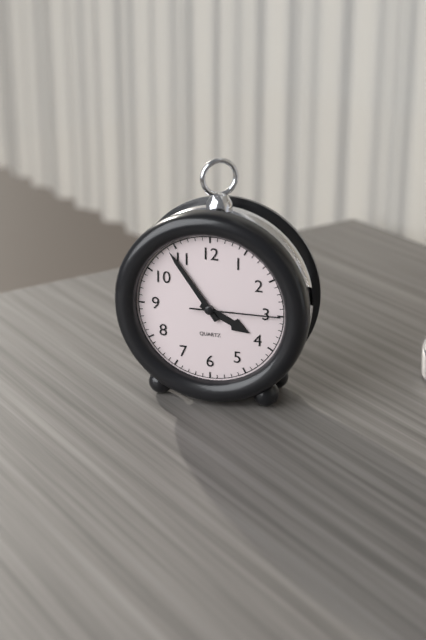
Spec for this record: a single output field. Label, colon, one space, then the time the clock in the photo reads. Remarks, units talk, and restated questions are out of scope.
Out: 3:54:15
